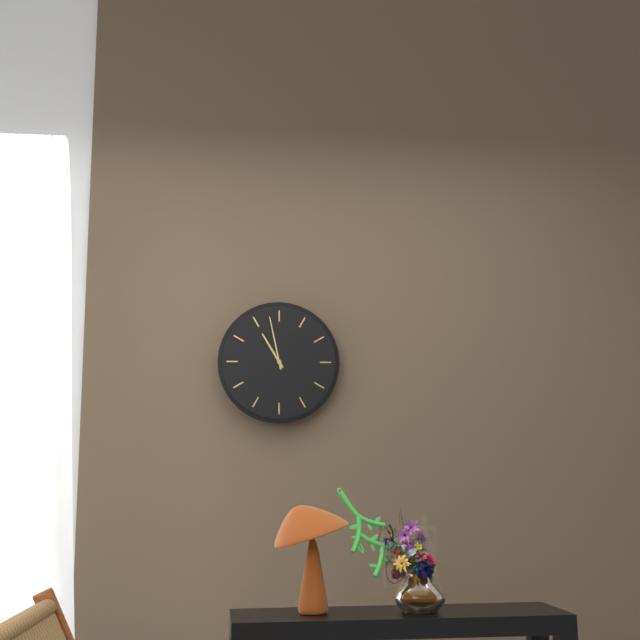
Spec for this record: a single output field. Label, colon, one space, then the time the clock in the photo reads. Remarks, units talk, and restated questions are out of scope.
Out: 10:58
